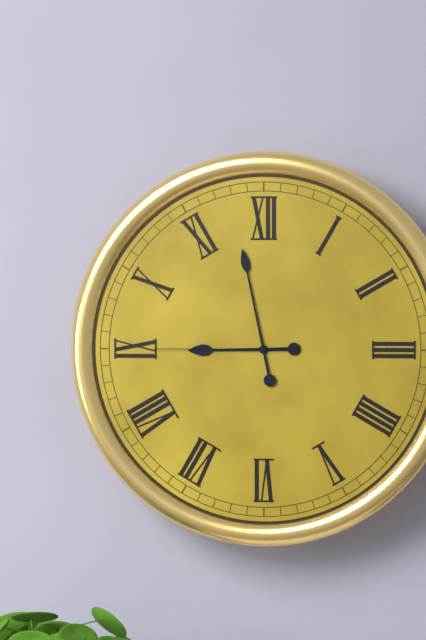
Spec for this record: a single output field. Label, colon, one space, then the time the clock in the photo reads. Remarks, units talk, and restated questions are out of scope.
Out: 8:58:45
